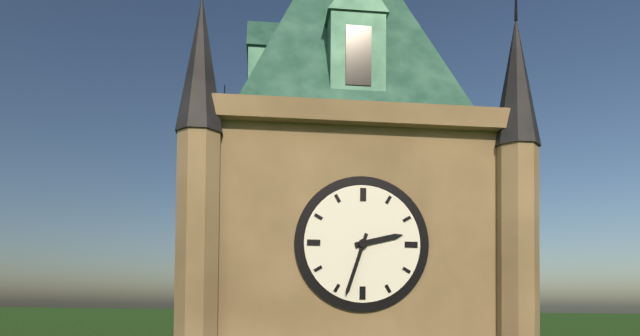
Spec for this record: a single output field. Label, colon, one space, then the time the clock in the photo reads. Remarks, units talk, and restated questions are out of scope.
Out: 2:33
